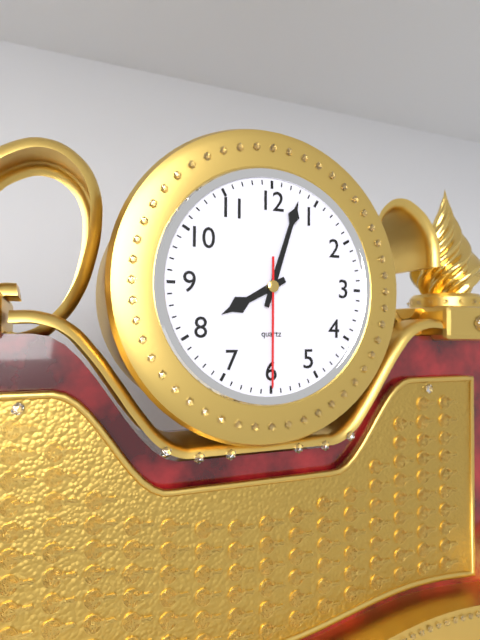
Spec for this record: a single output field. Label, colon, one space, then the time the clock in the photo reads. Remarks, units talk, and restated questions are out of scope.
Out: 8:03:30
